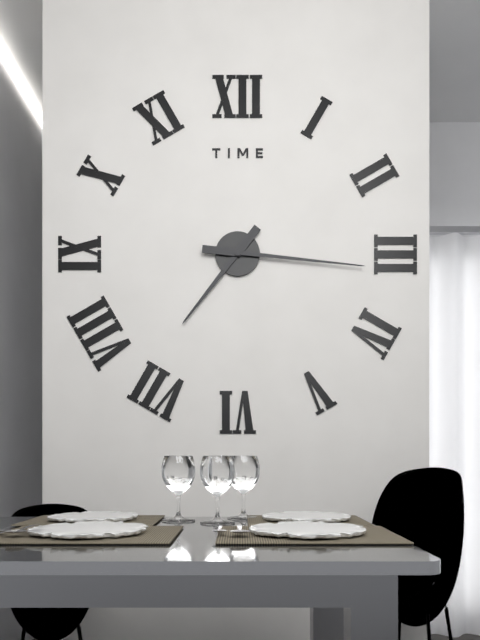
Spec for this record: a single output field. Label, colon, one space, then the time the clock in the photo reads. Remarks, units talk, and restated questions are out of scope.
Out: 7:16
